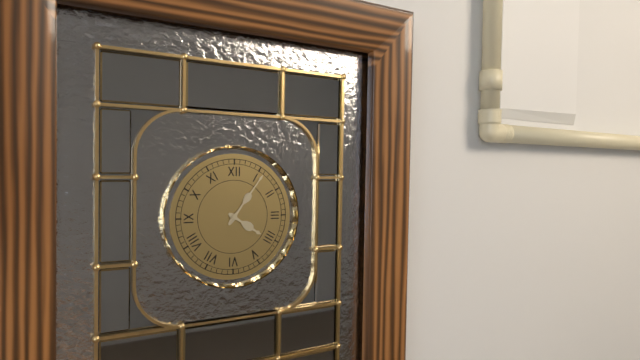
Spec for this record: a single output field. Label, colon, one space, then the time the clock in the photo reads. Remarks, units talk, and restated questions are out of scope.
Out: 4:06
